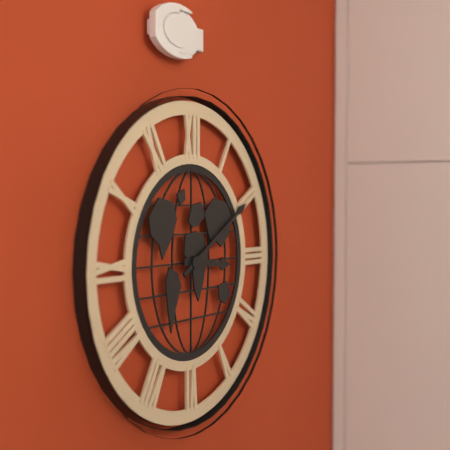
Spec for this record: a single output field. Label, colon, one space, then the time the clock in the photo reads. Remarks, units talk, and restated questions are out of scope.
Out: 3:10
